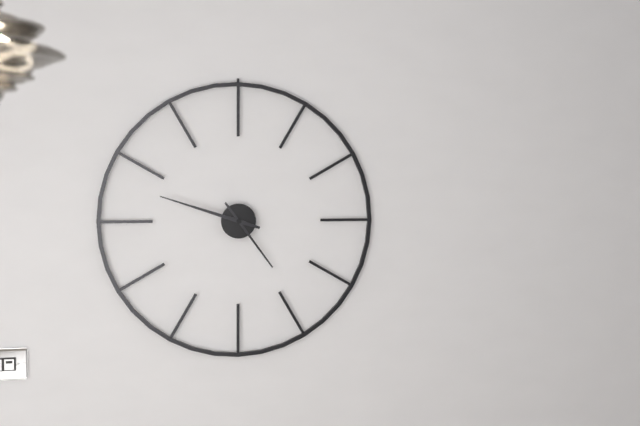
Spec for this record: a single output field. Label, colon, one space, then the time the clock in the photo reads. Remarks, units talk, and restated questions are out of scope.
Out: 4:48
